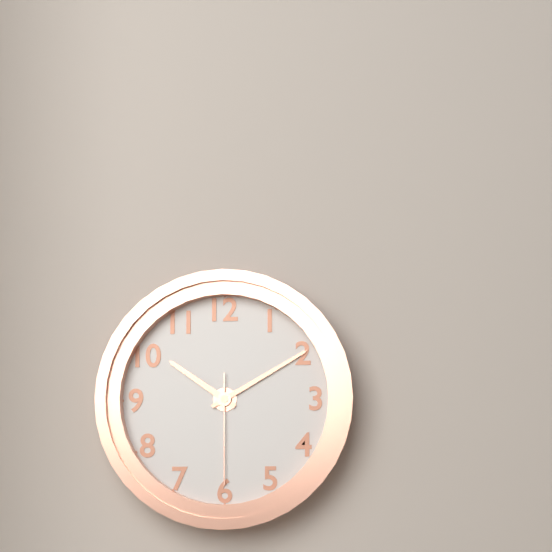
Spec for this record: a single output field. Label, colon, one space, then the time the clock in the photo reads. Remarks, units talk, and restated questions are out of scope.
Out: 10:10:30
